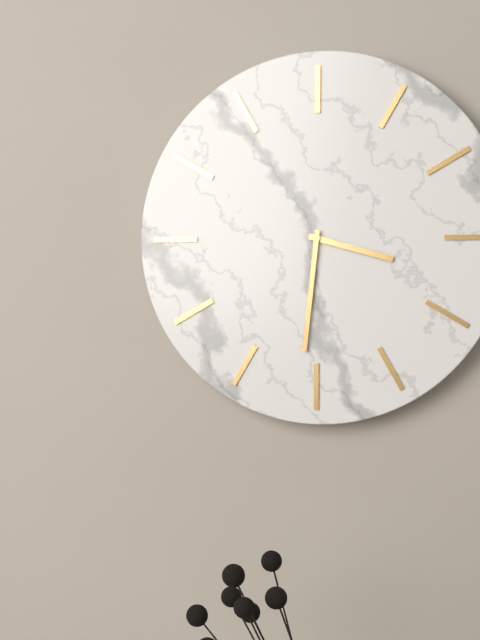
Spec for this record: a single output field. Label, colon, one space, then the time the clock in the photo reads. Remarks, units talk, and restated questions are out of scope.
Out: 3:31
